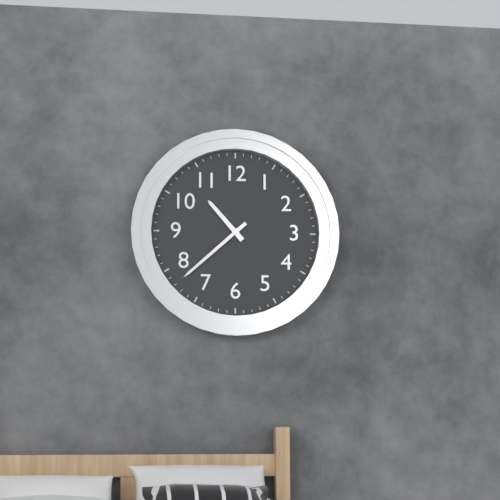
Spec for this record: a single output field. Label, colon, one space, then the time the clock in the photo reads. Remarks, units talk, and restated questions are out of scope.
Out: 10:38
